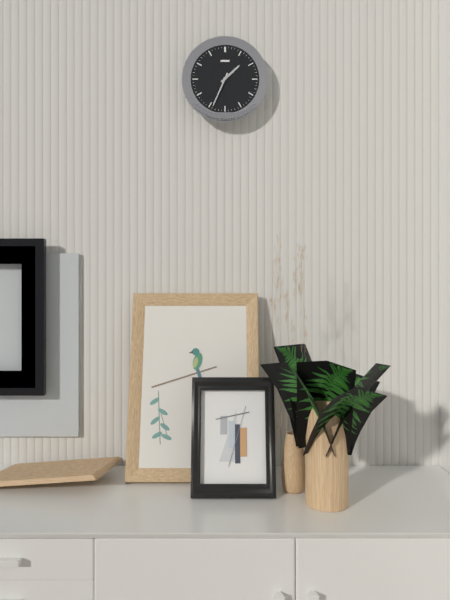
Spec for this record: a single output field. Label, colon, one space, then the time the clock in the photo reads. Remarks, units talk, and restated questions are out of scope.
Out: 1:34
